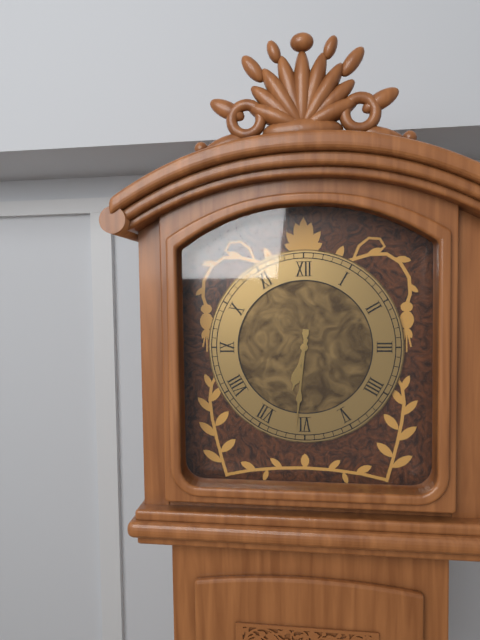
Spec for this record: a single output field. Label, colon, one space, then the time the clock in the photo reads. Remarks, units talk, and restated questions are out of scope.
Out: 6:31
